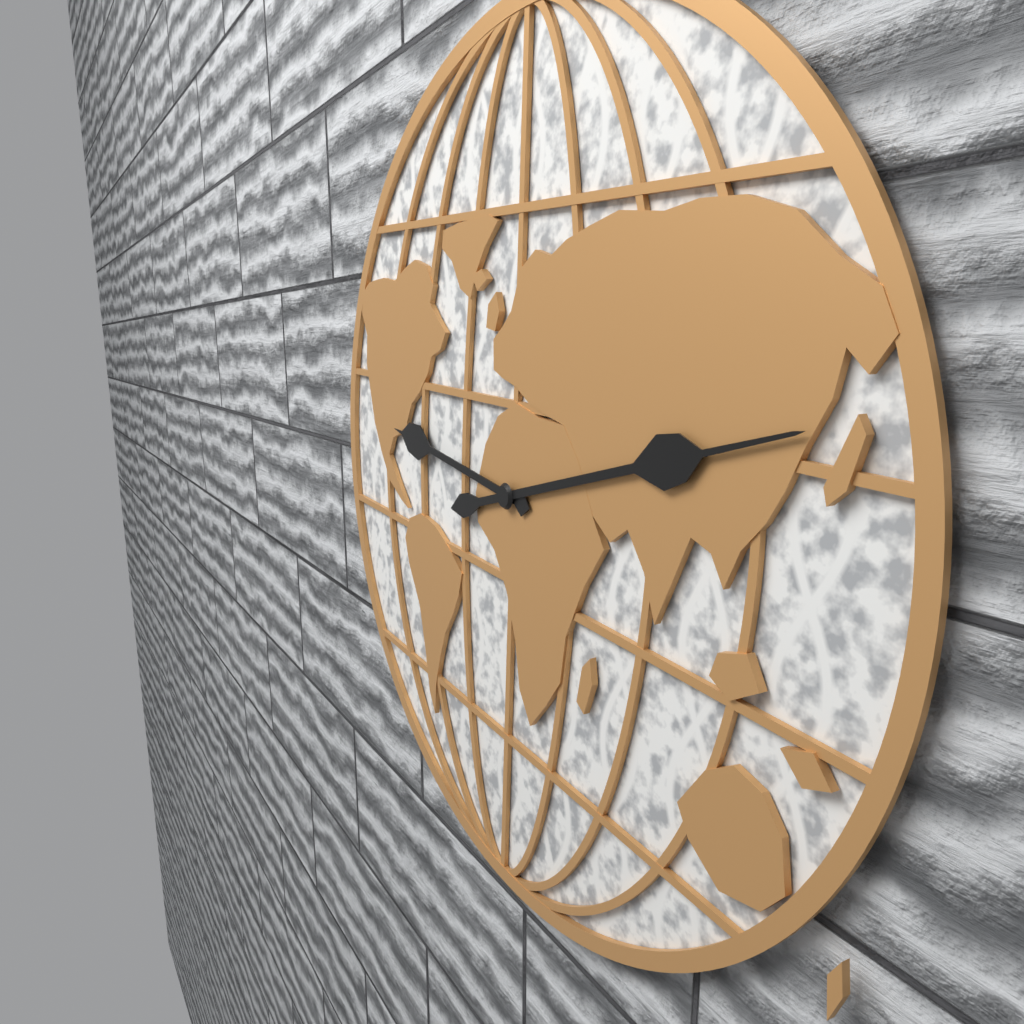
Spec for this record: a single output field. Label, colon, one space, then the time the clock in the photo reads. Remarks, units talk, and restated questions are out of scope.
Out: 9:12
